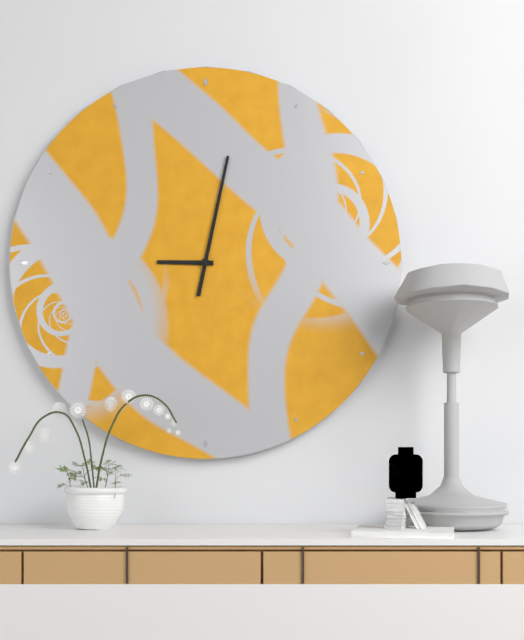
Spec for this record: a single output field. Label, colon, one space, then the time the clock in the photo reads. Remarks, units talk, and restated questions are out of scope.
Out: 9:02
